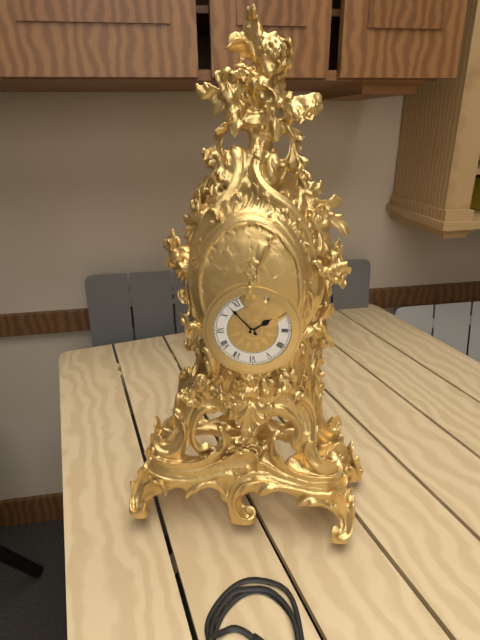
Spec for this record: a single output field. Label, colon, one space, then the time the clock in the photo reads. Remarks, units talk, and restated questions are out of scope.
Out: 1:53
